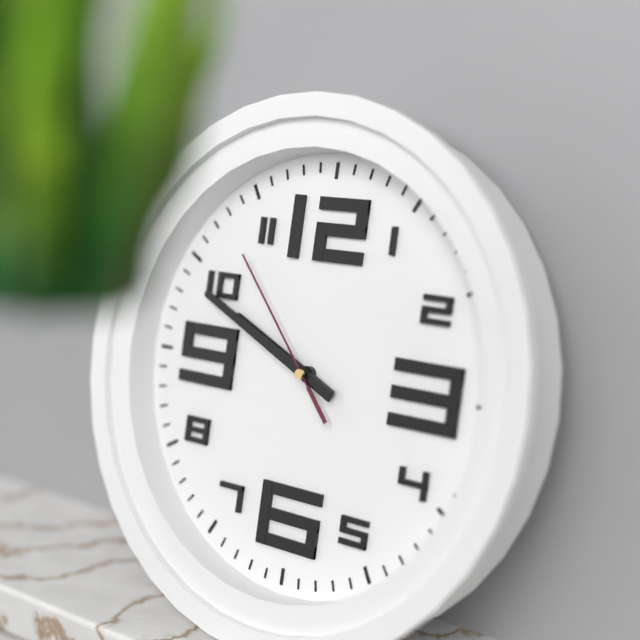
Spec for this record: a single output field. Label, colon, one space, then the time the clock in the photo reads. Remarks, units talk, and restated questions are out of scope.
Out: 9:49:53
